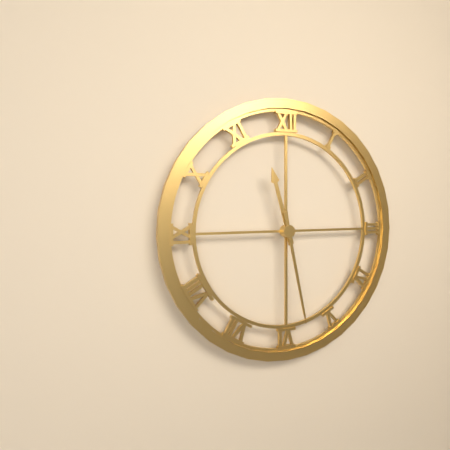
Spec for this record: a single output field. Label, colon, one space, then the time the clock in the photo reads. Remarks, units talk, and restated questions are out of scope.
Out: 11:28
